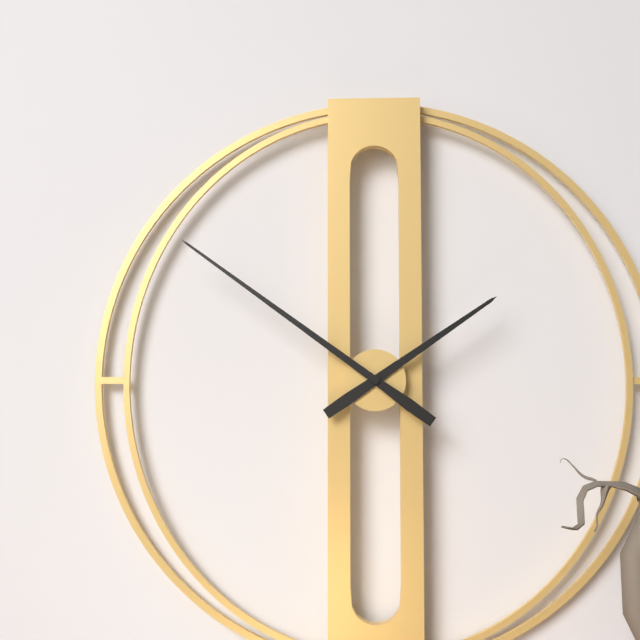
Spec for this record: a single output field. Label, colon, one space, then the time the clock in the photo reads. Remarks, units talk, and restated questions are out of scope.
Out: 1:51
